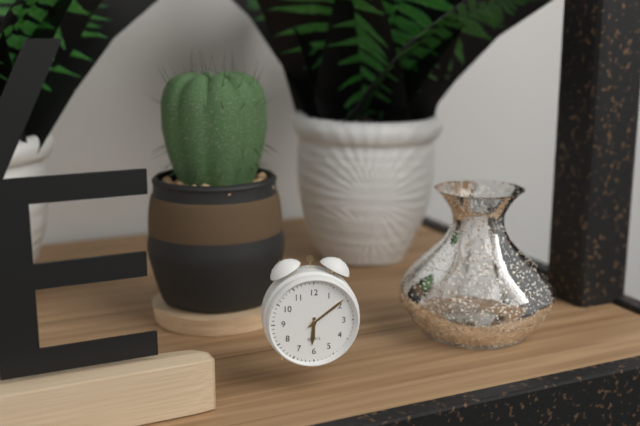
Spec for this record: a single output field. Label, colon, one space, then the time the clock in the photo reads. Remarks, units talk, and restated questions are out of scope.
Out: 6:09
